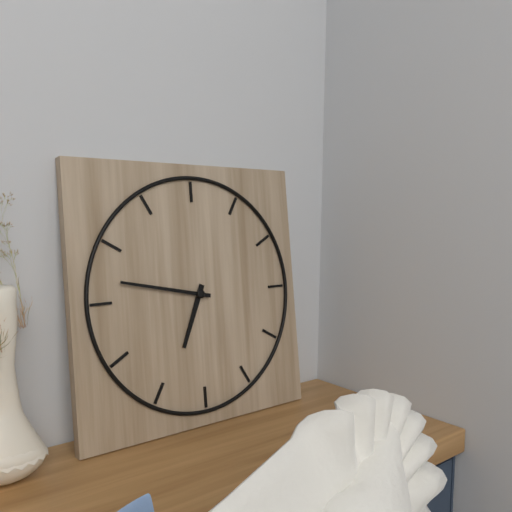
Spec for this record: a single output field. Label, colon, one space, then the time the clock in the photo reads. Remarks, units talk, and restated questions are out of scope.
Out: 6:47
